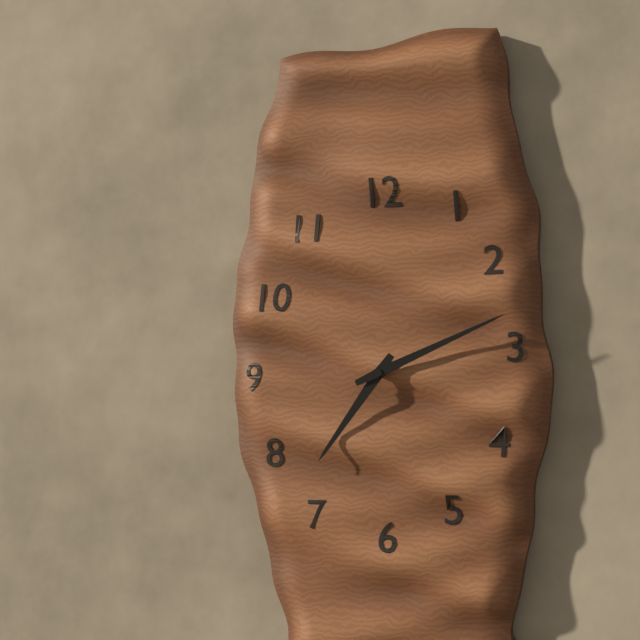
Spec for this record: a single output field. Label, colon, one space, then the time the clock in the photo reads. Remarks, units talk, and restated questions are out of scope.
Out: 7:11
